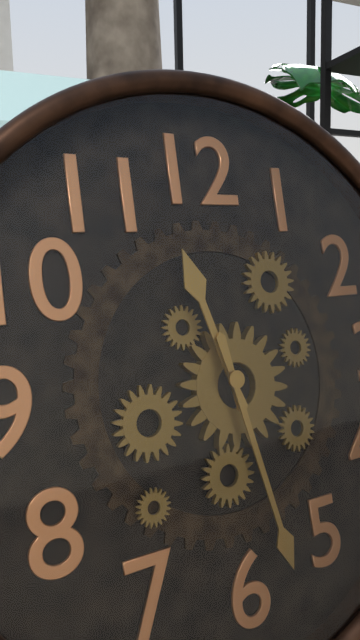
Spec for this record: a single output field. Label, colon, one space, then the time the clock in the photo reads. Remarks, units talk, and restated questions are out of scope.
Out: 11:28
